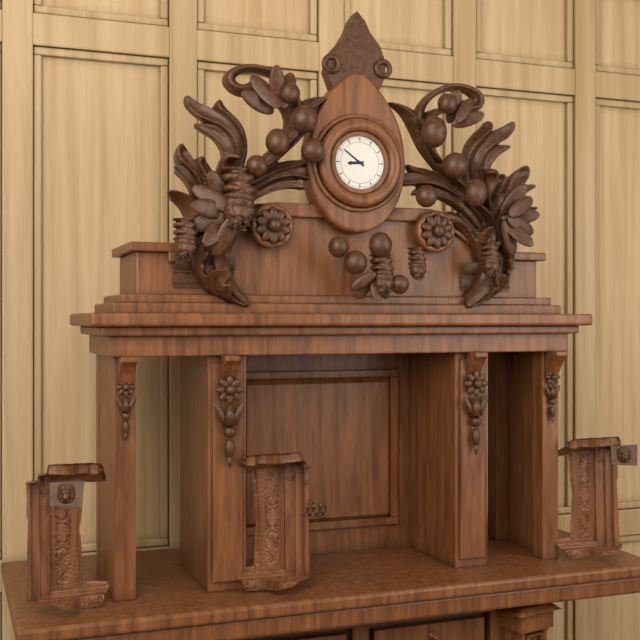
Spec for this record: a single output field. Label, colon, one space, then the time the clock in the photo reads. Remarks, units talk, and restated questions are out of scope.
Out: 8:51
